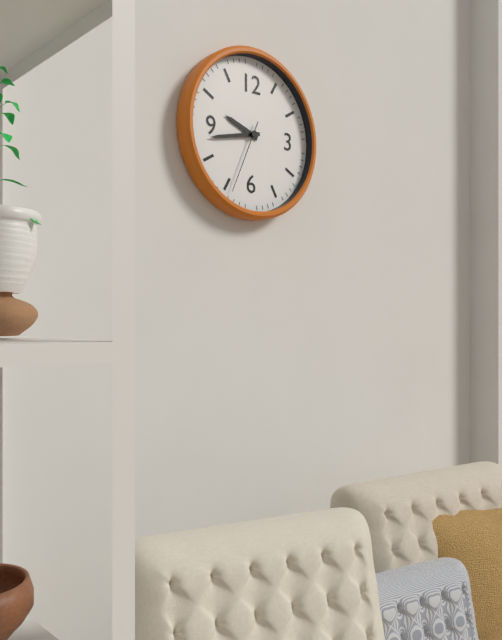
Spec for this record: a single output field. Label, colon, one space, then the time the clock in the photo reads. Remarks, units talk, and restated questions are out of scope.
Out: 9:43:34
